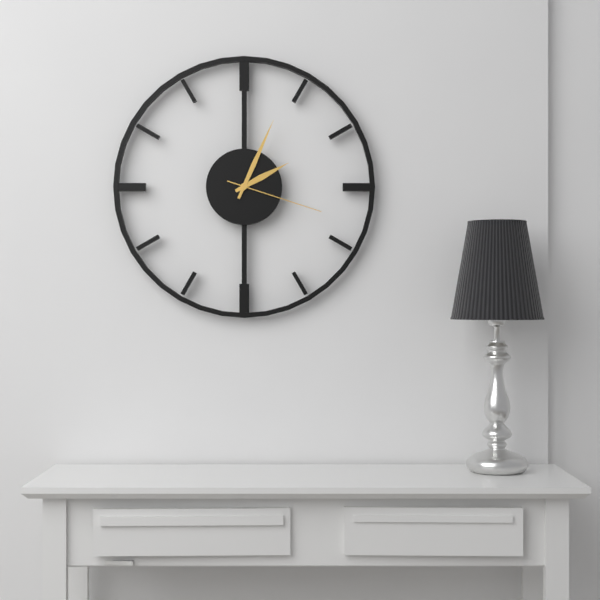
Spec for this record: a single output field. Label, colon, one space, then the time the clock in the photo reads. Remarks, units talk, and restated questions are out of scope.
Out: 2:04:18
